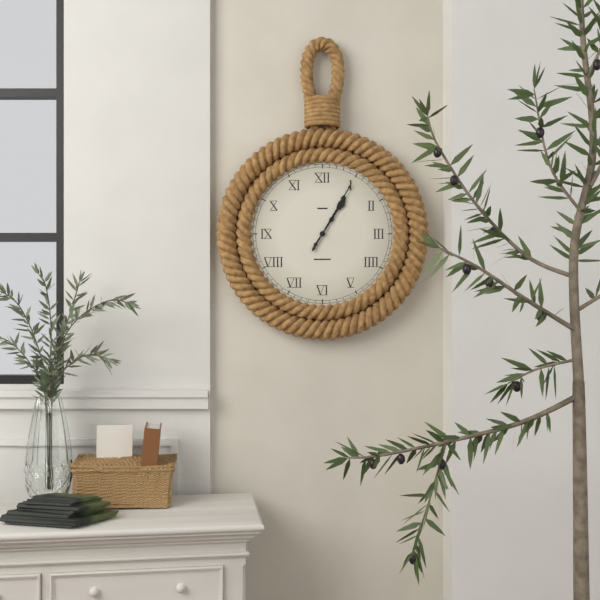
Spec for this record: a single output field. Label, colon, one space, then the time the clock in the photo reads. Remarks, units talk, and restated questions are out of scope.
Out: 1:05
